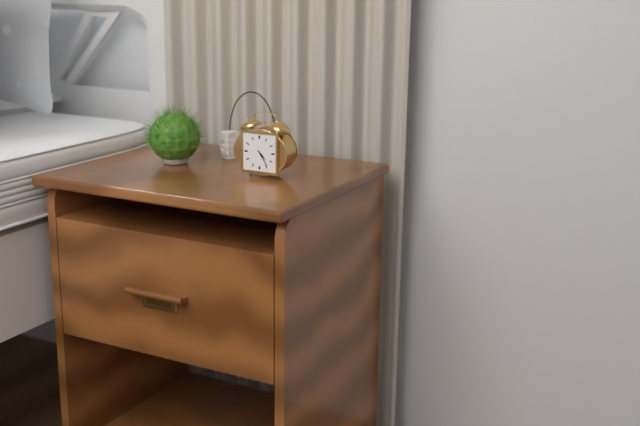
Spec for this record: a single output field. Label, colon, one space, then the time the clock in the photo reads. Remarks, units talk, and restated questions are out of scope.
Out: 4:24
